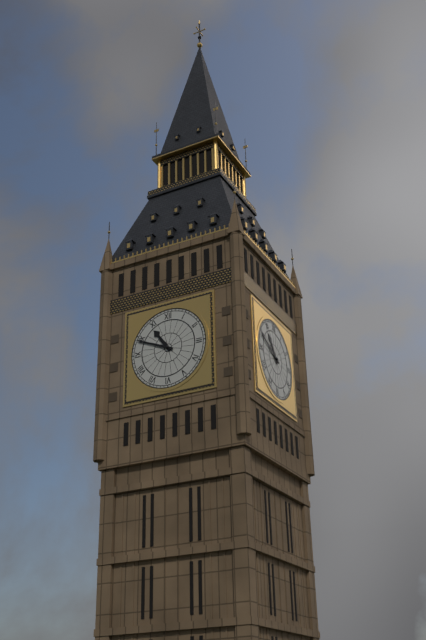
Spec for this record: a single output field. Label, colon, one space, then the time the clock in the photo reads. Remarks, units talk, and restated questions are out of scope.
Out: 10:49
